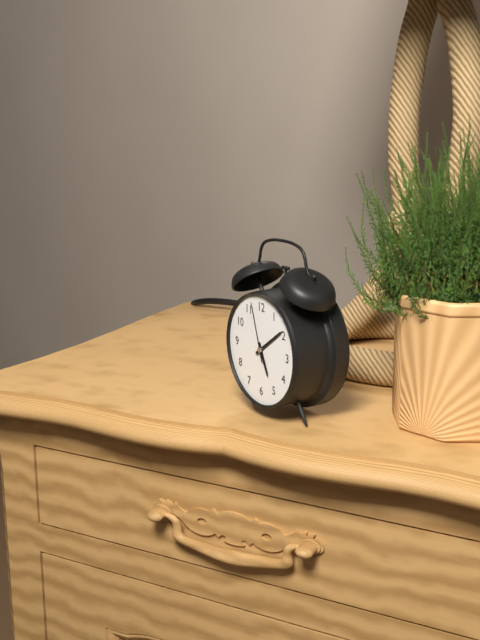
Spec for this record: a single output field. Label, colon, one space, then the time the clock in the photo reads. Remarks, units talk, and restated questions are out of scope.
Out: 5:09:57
